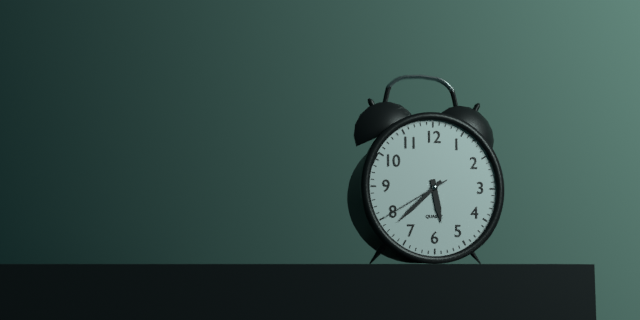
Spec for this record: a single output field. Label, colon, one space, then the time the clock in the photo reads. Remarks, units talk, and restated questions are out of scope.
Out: 5:38:40
